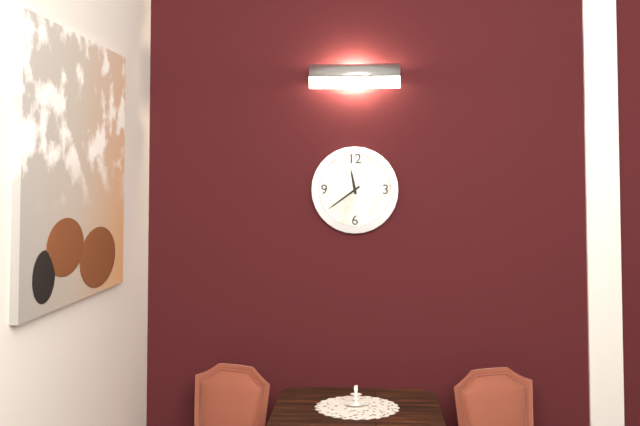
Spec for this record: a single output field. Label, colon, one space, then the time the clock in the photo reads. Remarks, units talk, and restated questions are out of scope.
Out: 11:39
